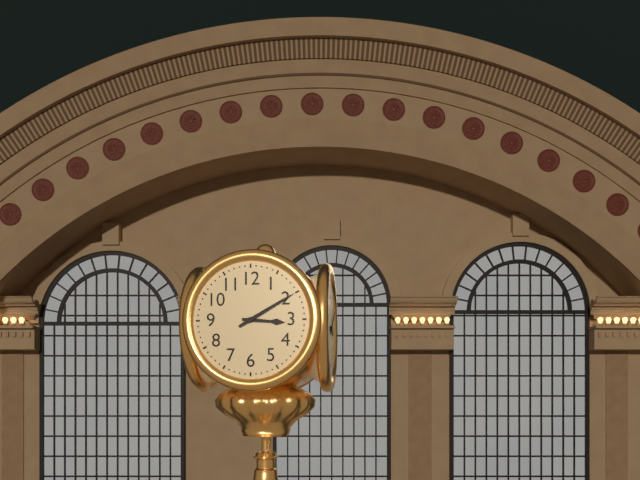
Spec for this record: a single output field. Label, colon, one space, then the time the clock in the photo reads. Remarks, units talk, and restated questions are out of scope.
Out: 3:10
